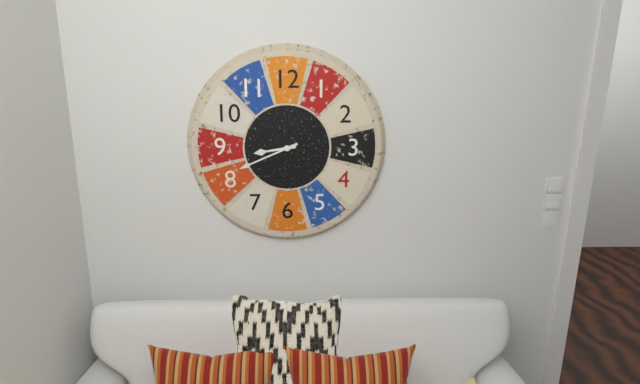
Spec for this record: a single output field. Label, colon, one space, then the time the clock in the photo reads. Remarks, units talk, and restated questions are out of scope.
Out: 8:41
